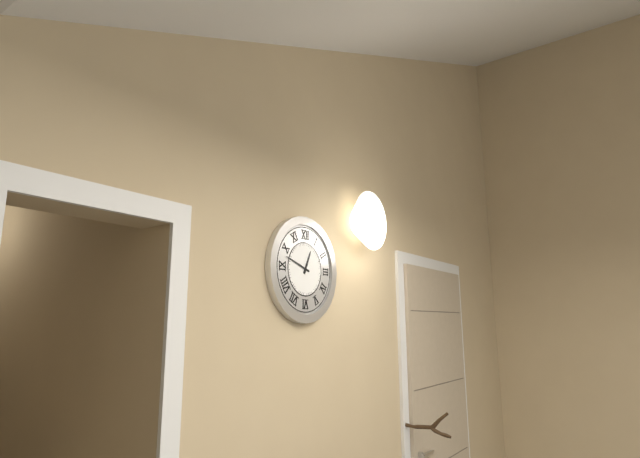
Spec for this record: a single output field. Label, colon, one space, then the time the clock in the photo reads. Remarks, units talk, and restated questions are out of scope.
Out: 12:48
